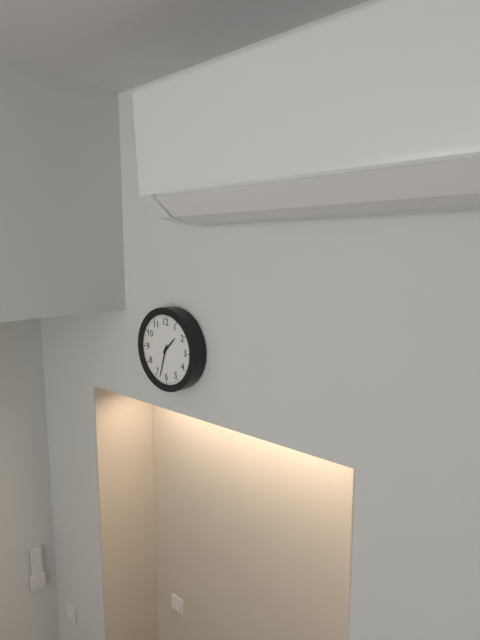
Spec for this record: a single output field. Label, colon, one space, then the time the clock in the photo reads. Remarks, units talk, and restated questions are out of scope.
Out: 1:33
